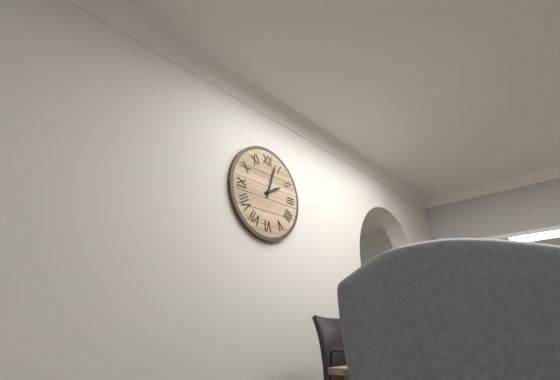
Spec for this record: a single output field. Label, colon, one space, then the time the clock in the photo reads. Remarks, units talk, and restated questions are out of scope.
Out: 2:03
